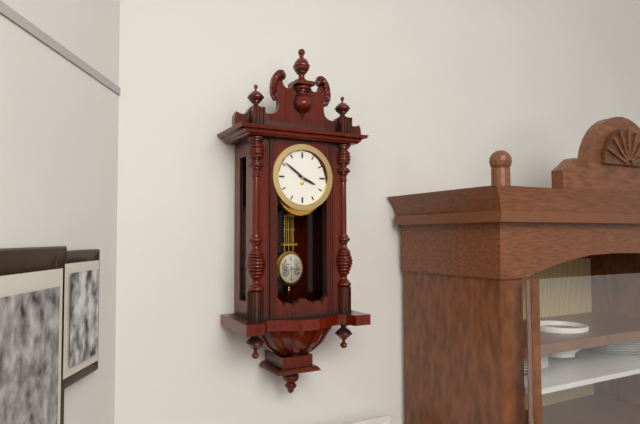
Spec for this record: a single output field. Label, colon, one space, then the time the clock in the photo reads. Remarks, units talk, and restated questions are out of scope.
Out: 3:51
